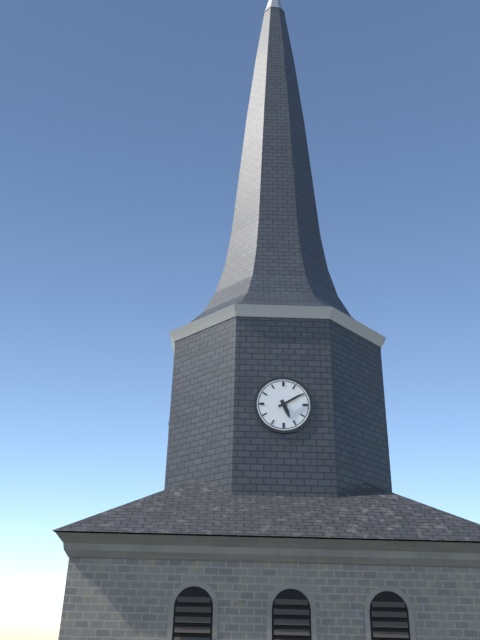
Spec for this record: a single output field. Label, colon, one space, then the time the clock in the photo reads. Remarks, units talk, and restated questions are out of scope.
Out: 5:10
